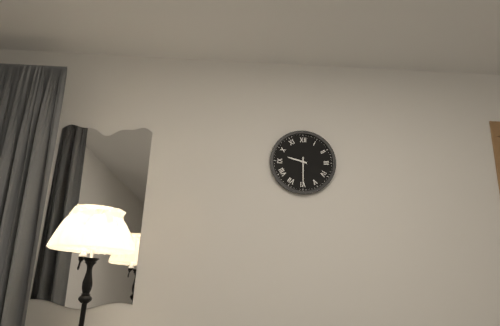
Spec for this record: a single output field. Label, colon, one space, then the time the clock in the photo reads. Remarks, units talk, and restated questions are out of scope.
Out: 9:30
